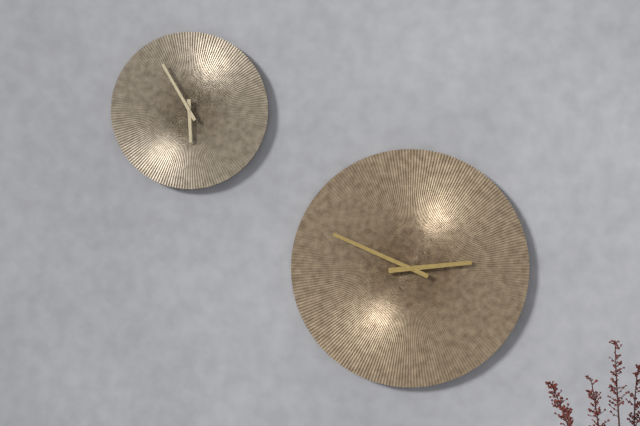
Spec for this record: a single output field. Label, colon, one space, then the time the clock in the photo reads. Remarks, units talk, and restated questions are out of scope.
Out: 2:49
